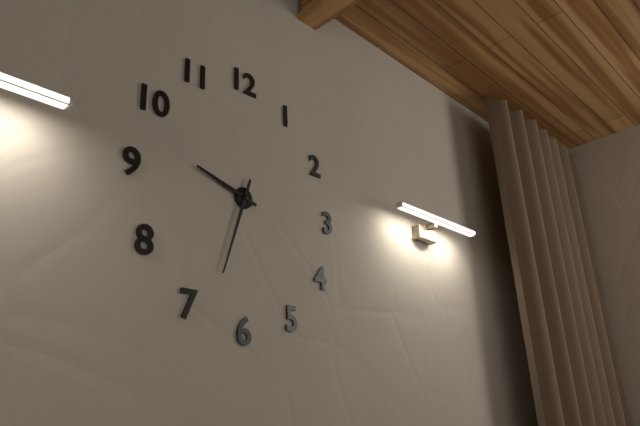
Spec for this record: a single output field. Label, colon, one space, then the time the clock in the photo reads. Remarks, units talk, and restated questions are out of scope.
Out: 9:33
